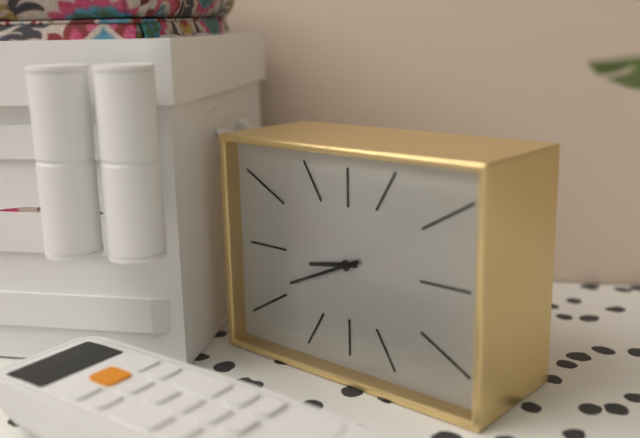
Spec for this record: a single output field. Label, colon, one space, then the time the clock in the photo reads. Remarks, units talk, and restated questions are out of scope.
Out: 8:41
